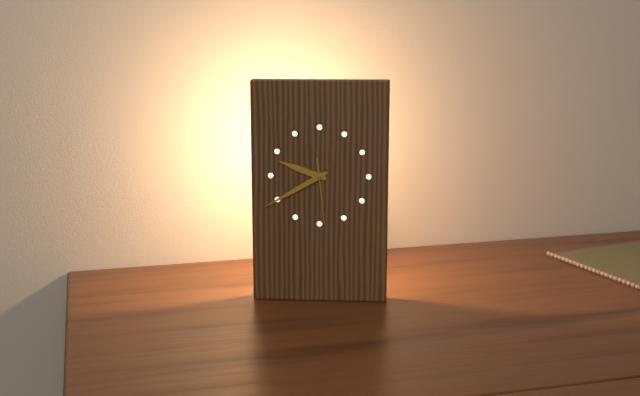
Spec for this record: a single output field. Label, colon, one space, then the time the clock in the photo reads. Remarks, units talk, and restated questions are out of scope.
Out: 9:40:29
